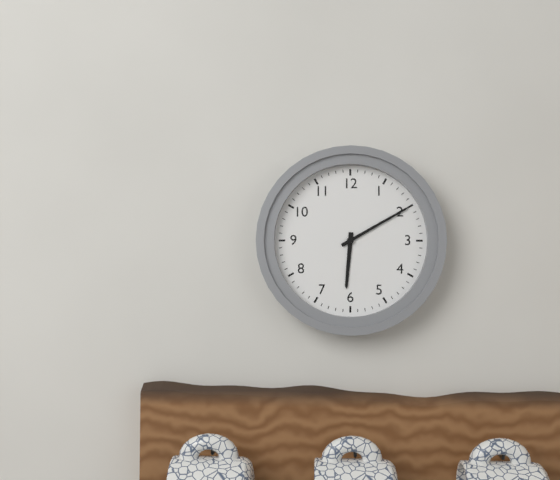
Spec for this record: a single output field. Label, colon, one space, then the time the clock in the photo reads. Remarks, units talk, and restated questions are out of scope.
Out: 6:10
